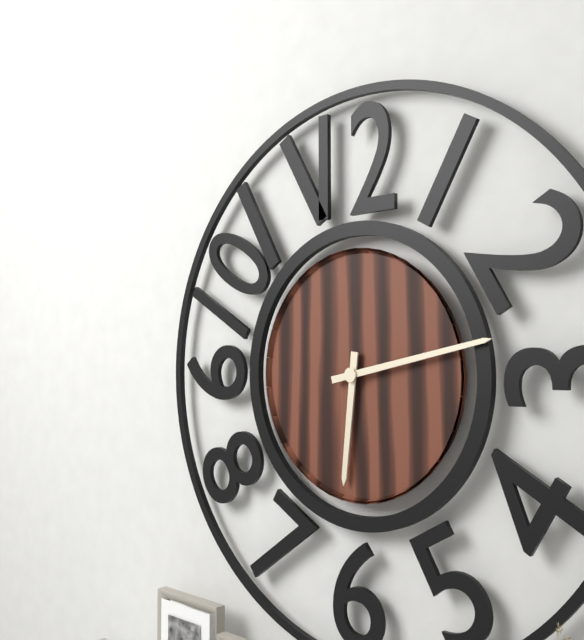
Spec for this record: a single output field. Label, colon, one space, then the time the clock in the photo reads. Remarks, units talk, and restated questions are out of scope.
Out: 6:13
